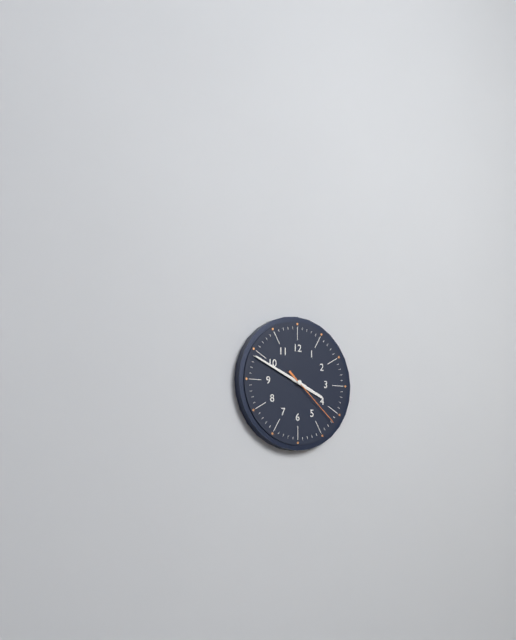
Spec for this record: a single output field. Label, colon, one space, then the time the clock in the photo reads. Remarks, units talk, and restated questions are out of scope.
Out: 3:49:22
